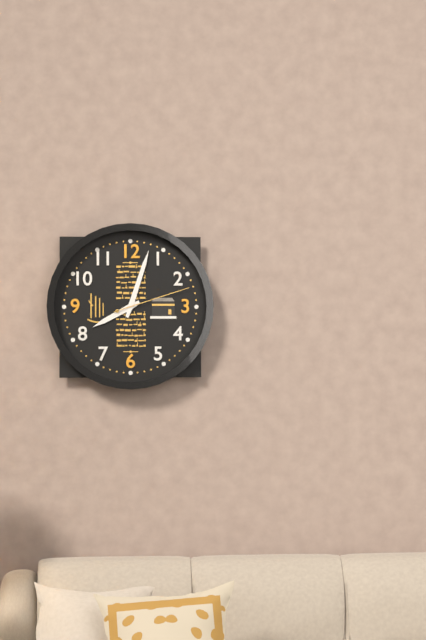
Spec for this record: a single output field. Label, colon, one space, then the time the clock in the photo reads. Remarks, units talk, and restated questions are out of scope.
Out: 8:03:12
